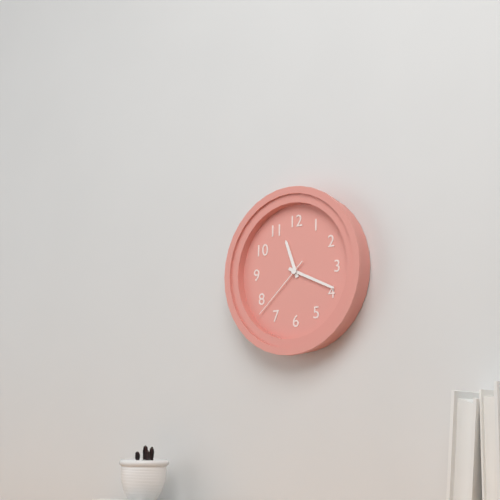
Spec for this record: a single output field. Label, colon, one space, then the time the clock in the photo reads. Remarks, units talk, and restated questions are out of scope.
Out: 11:19:38
